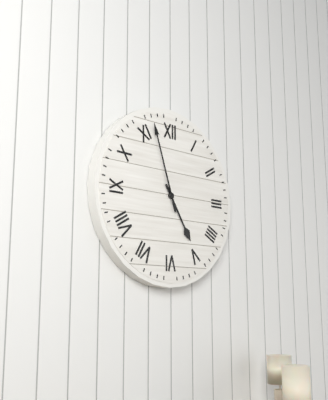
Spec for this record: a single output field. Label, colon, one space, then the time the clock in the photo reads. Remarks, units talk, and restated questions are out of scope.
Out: 4:57
